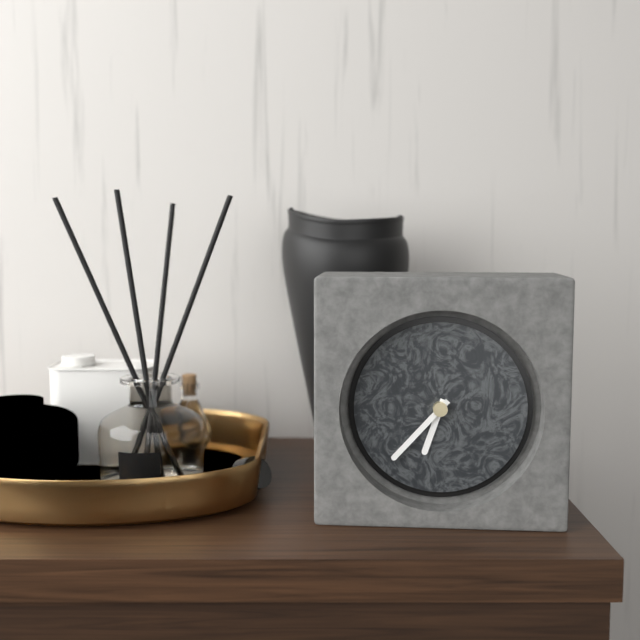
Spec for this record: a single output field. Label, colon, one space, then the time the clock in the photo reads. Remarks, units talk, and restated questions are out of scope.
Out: 6:37
